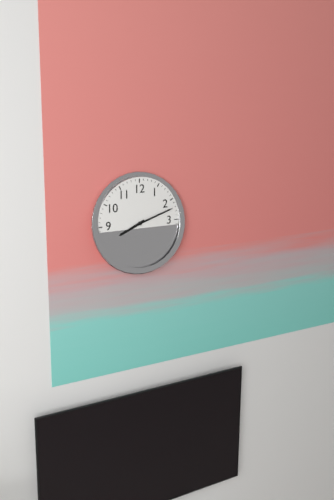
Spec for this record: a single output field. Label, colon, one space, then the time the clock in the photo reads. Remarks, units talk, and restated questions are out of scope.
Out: 8:12
